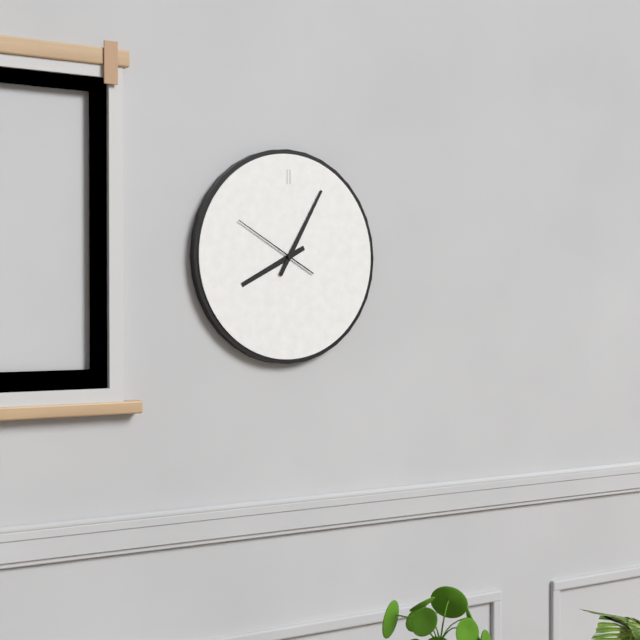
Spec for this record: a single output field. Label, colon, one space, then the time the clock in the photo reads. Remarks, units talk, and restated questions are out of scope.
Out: 8:05:50
